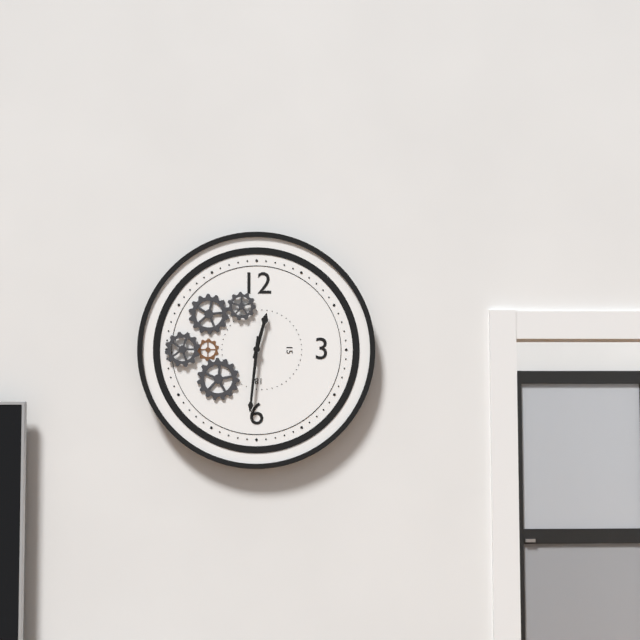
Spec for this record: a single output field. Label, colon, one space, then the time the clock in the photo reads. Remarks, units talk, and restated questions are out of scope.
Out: 12:31
